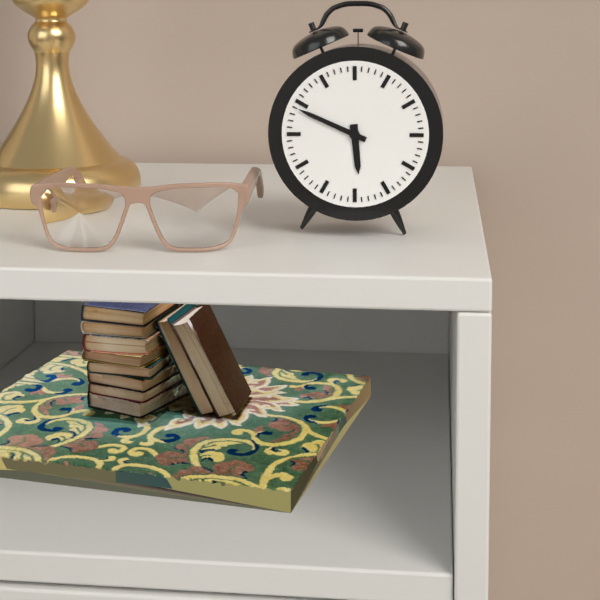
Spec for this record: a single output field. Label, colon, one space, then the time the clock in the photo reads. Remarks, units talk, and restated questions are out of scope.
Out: 5:49
